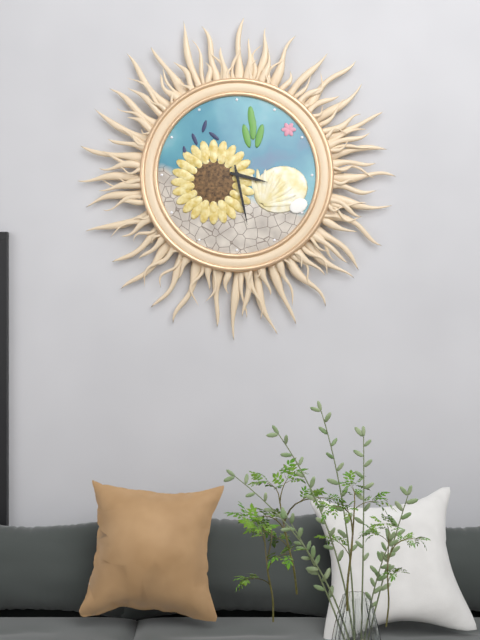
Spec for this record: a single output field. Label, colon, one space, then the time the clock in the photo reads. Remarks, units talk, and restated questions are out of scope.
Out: 3:28
